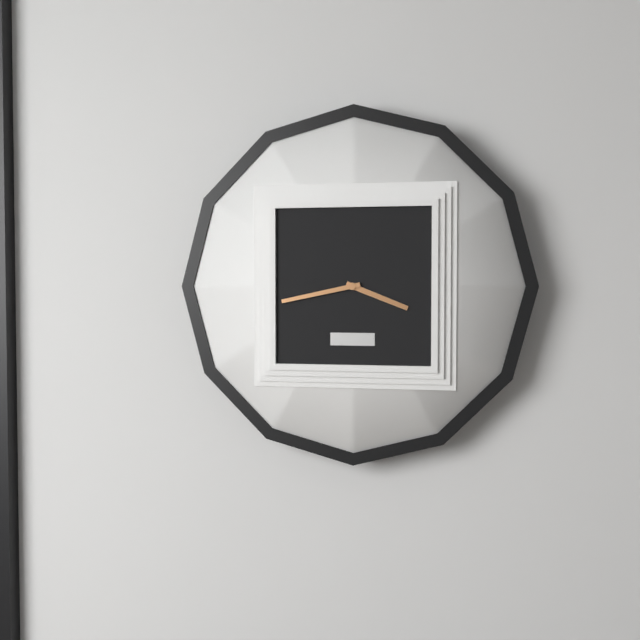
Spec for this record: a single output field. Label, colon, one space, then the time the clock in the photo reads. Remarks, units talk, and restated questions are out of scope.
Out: 3:43
